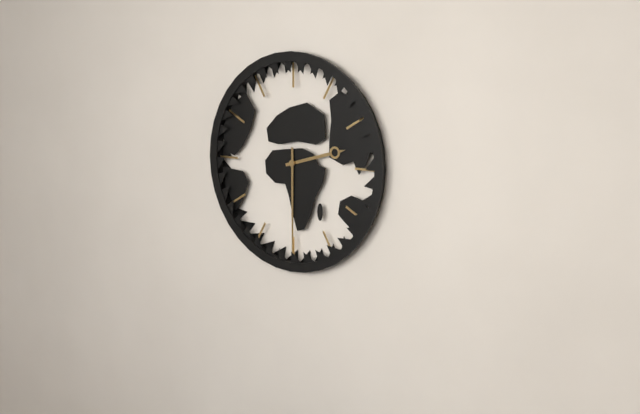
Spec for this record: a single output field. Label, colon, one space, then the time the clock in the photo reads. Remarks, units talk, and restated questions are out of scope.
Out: 2:30
